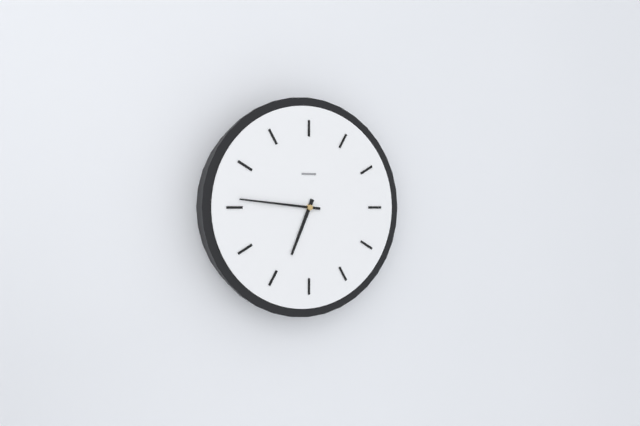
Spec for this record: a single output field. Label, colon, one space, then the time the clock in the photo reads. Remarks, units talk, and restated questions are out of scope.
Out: 6:46
